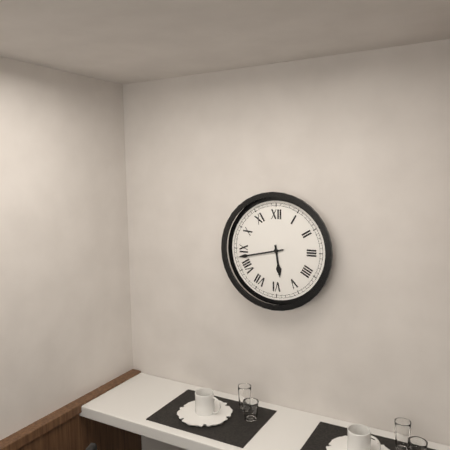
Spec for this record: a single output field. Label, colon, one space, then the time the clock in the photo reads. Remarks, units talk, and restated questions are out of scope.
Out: 5:43
